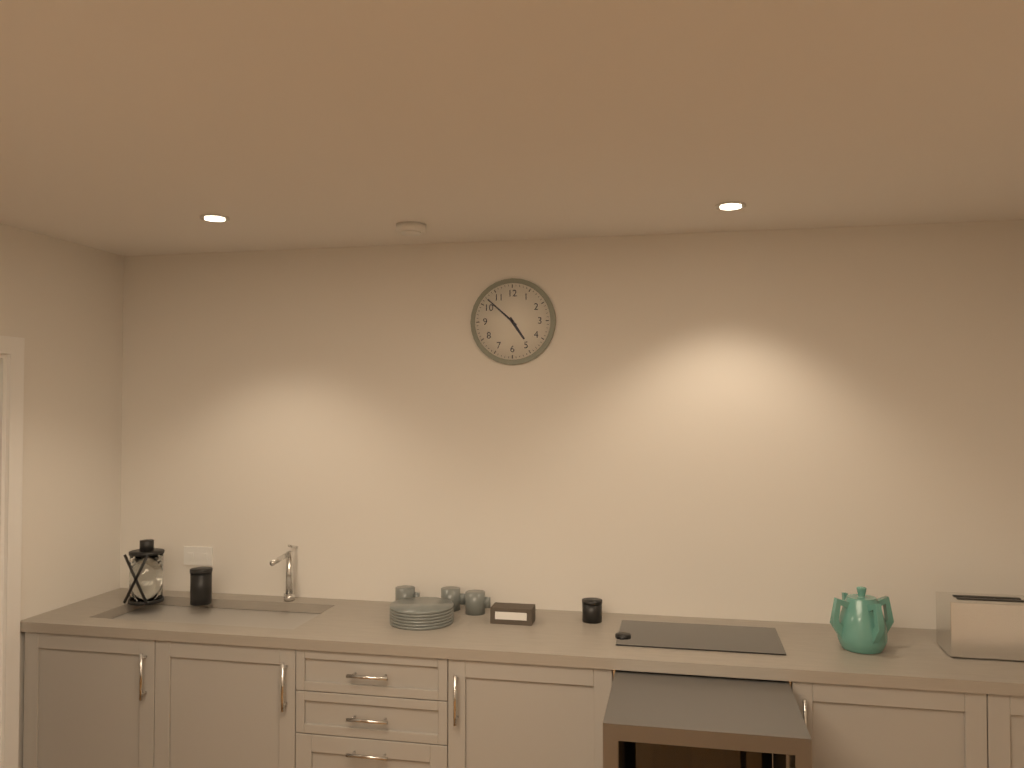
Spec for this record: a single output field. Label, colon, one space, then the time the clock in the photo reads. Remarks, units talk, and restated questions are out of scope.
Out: 4:52
